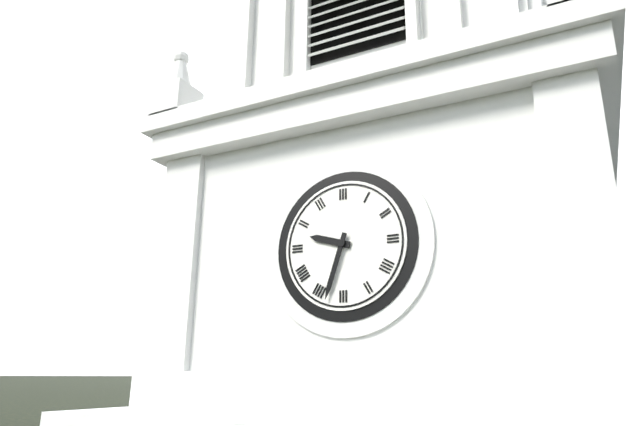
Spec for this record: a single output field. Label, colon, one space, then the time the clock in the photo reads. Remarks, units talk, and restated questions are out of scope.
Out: 9:33
